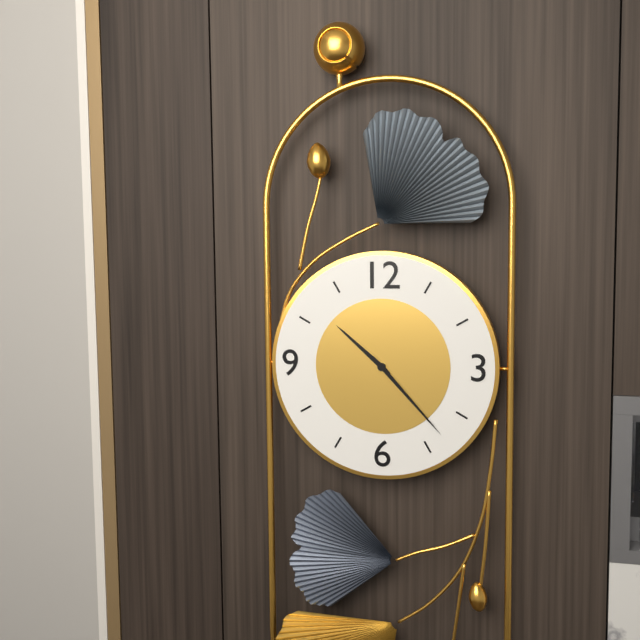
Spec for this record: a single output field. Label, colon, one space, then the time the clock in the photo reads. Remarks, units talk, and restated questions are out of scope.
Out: 10:23
